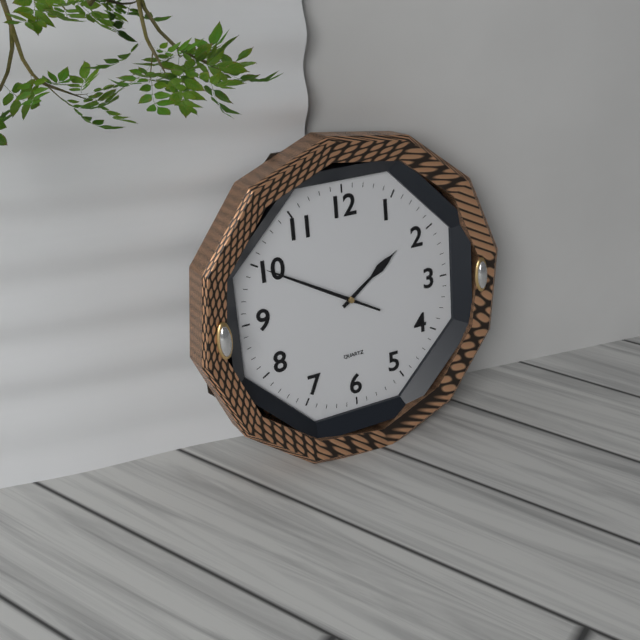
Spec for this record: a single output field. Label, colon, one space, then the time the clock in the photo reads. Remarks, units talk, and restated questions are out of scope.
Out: 1:50
